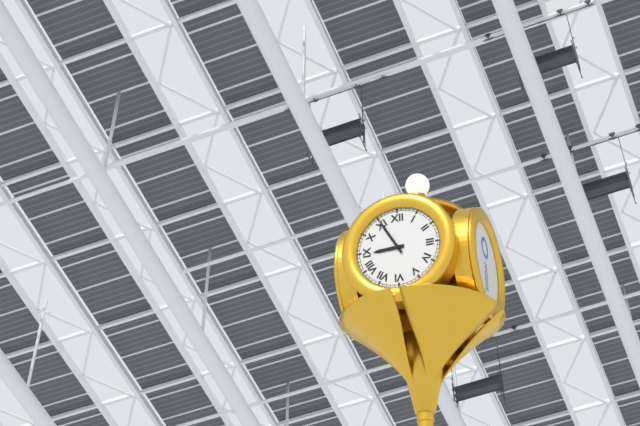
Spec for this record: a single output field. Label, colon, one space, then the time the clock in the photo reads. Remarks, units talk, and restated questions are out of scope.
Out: 8:55
